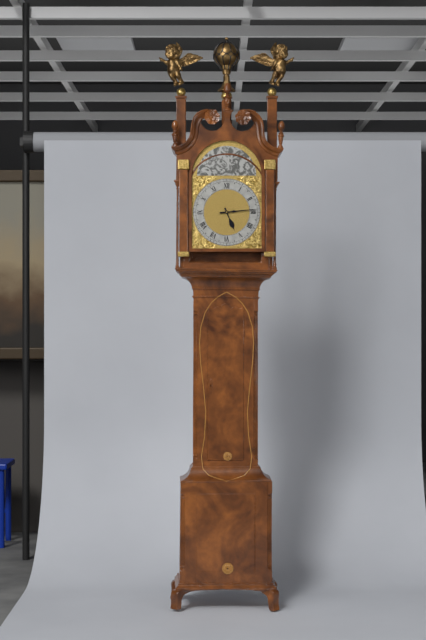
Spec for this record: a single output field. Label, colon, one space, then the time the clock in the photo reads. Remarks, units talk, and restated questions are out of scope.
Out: 5:14
